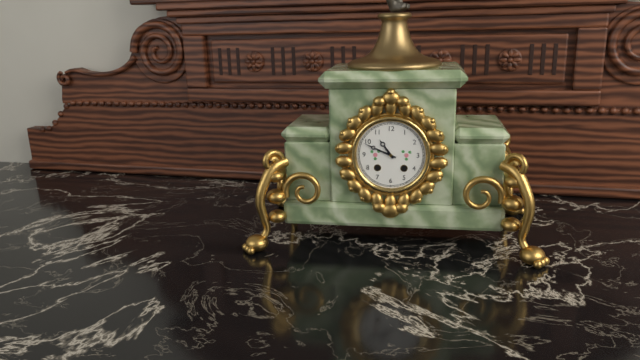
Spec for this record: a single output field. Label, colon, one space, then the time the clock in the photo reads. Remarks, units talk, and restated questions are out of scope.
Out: 10:49
